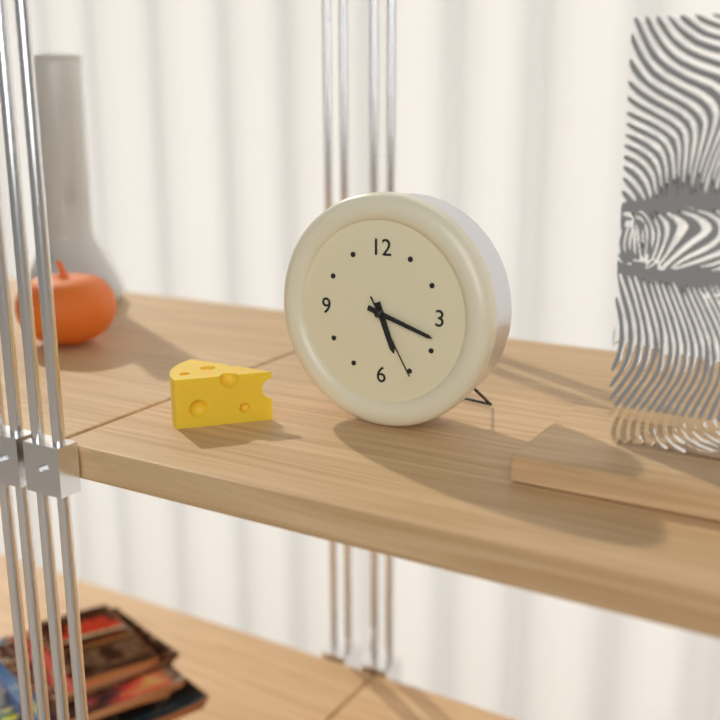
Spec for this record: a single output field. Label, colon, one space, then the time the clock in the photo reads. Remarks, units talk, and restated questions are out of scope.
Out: 5:18:25
